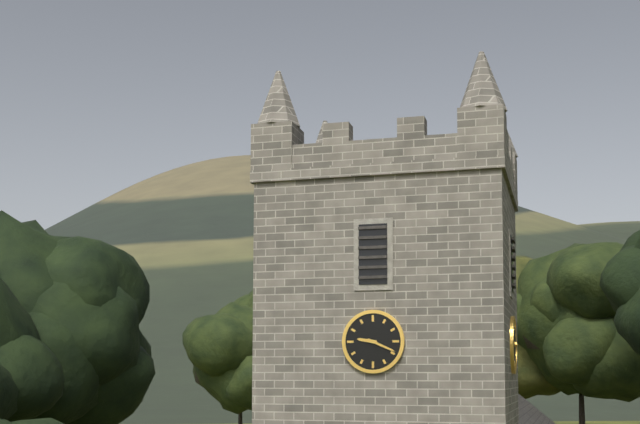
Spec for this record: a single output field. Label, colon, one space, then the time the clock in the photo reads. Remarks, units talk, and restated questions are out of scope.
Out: 9:19
